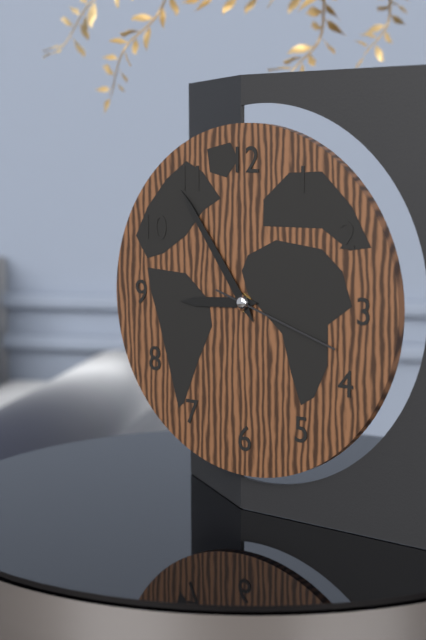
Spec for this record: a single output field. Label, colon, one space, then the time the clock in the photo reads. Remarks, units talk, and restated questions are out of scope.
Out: 8:54:18
